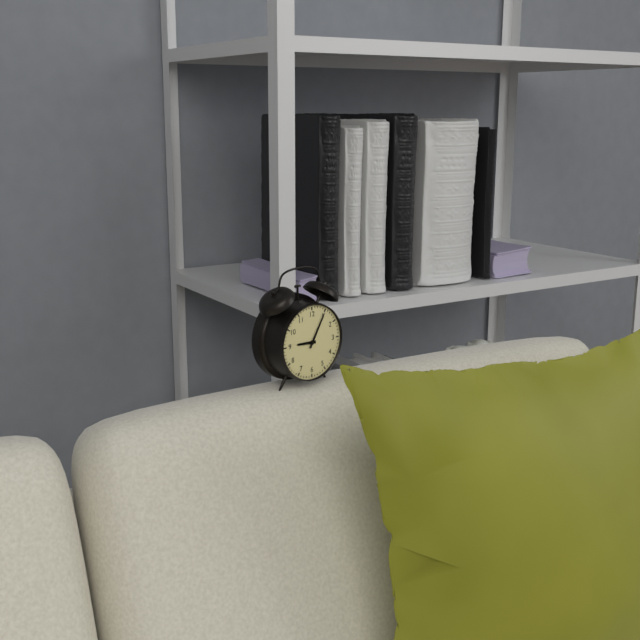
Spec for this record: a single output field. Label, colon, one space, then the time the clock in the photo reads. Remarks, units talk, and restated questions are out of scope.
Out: 9:05
